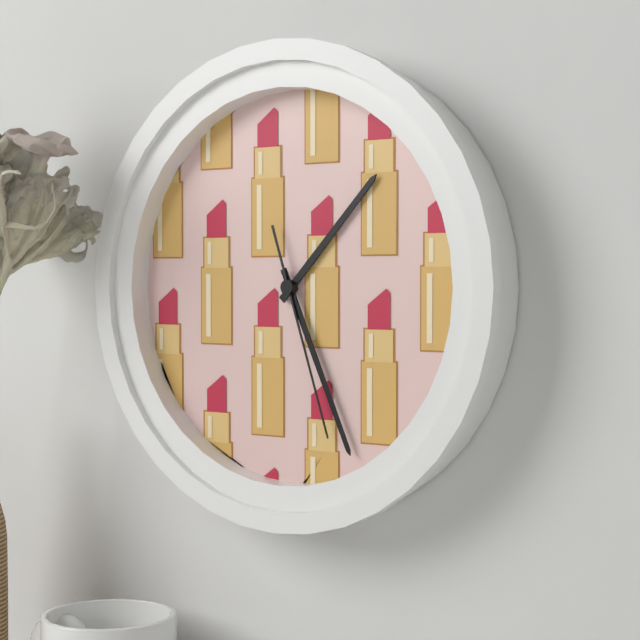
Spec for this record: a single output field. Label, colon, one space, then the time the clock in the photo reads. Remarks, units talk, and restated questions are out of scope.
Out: 1:26:27
